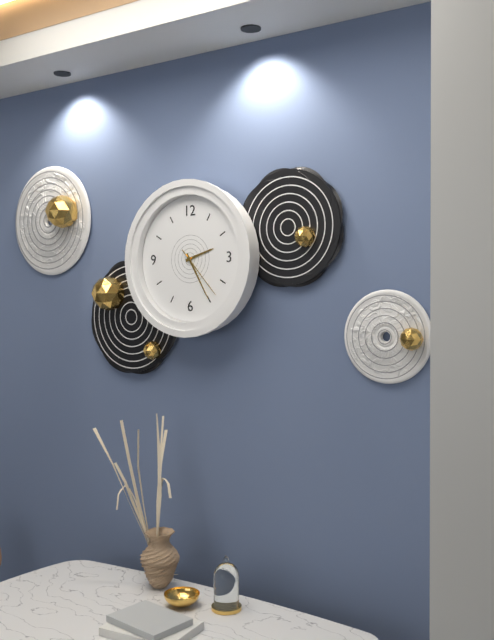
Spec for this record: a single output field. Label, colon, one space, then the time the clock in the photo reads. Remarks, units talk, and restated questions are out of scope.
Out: 2:25:23
